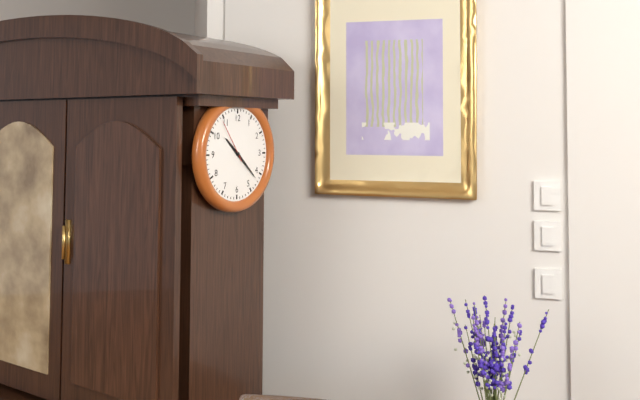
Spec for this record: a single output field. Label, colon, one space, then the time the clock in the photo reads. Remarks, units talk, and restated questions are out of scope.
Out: 10:22
